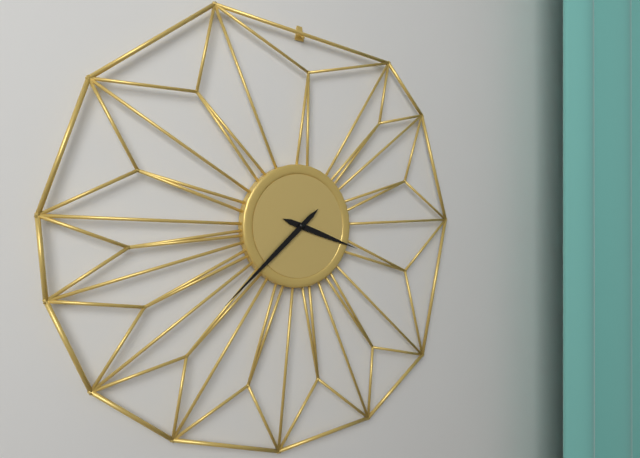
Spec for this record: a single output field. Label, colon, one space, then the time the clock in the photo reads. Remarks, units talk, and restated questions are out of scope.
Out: 3:38
